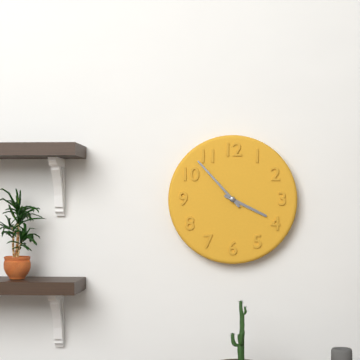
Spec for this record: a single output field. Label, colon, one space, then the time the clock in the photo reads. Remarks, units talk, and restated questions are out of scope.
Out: 3:53
